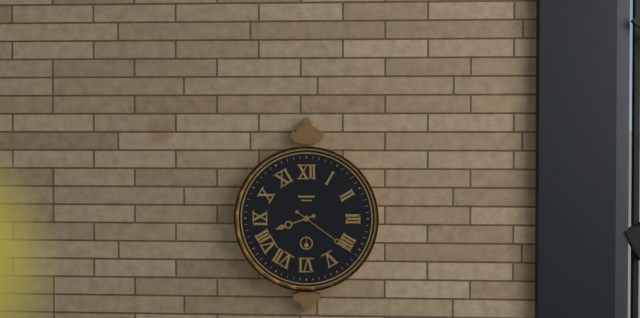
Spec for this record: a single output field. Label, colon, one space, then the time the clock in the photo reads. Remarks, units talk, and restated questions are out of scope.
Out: 8:21
